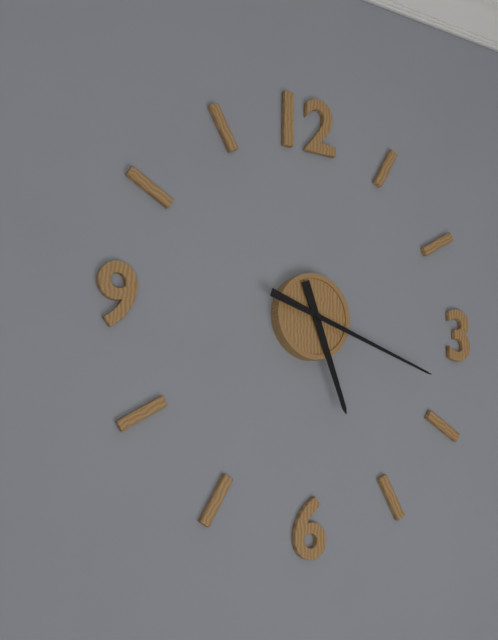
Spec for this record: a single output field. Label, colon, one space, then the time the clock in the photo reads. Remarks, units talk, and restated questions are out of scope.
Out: 5:18
